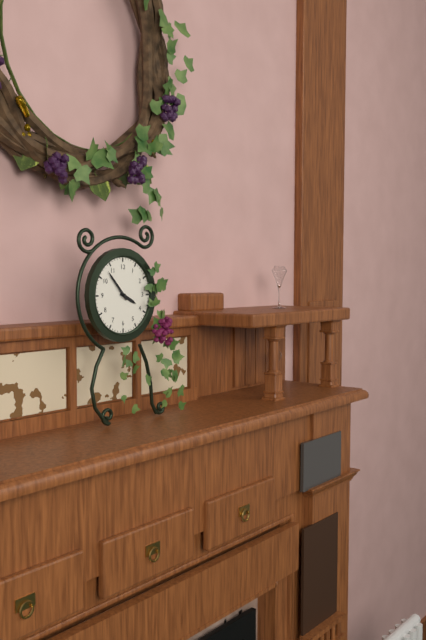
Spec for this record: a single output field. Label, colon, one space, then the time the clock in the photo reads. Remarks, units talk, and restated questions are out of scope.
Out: 3:53
